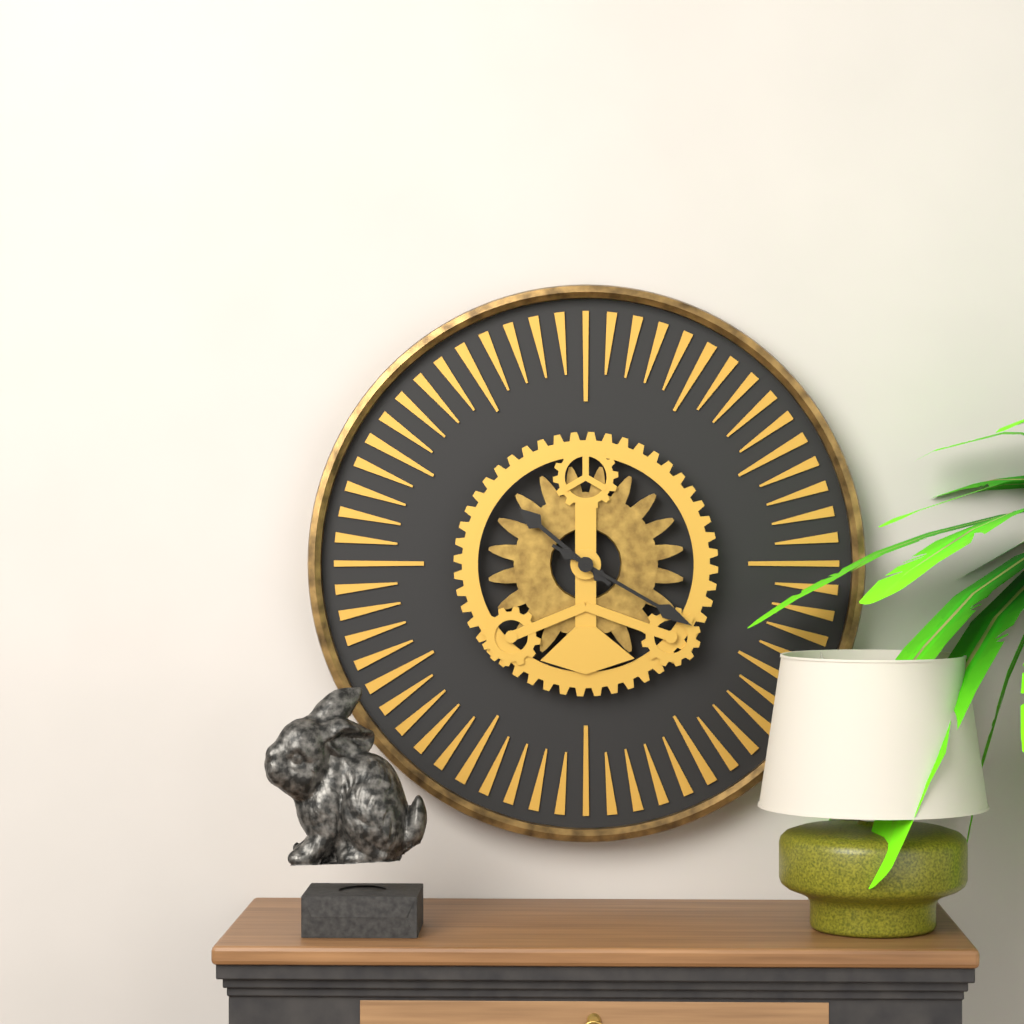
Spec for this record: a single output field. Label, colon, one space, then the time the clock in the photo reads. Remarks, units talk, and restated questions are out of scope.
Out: 10:20
